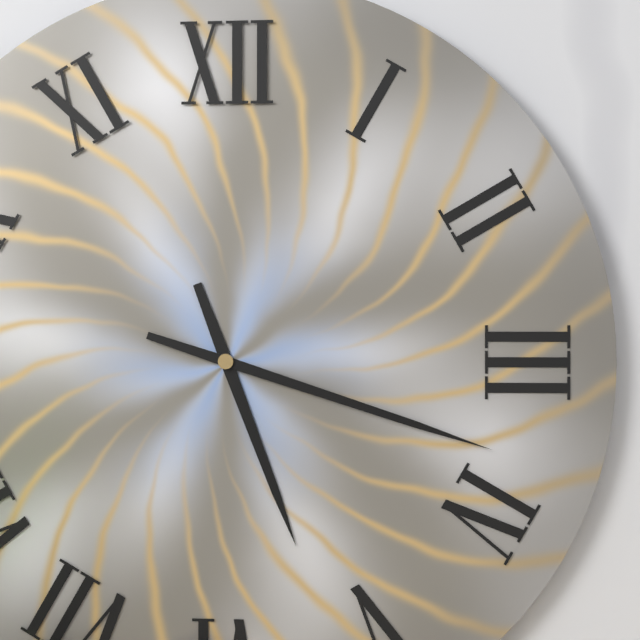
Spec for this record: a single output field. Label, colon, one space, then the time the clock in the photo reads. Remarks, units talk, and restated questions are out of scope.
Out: 5:18
